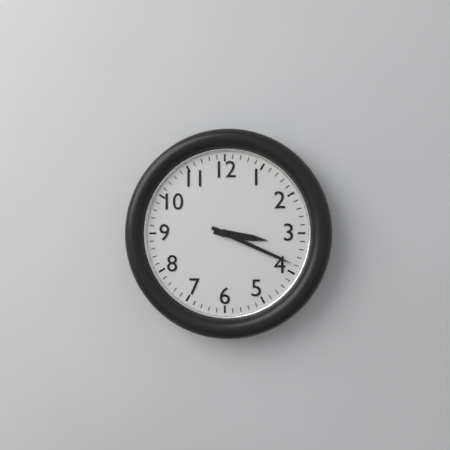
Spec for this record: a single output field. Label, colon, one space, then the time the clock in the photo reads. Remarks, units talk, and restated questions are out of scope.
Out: 3:19
